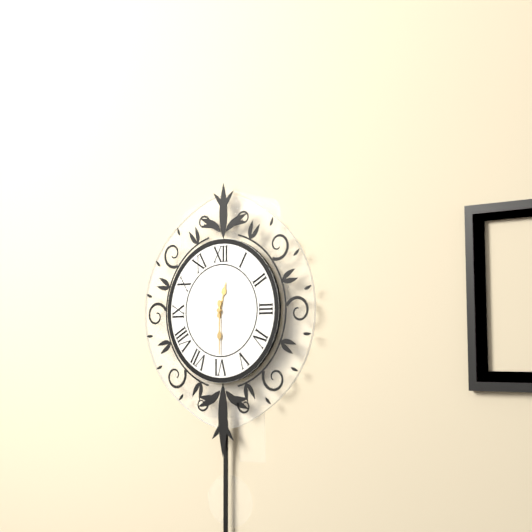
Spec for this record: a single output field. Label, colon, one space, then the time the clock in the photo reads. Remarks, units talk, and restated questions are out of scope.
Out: 12:30
